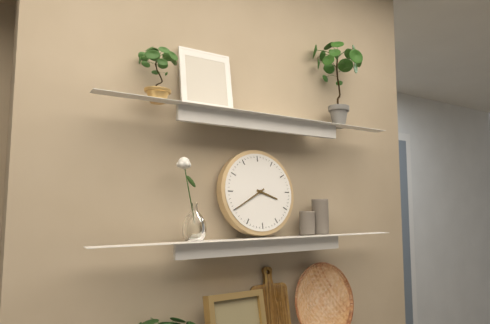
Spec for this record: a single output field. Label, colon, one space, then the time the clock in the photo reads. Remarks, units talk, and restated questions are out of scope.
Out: 3:40
